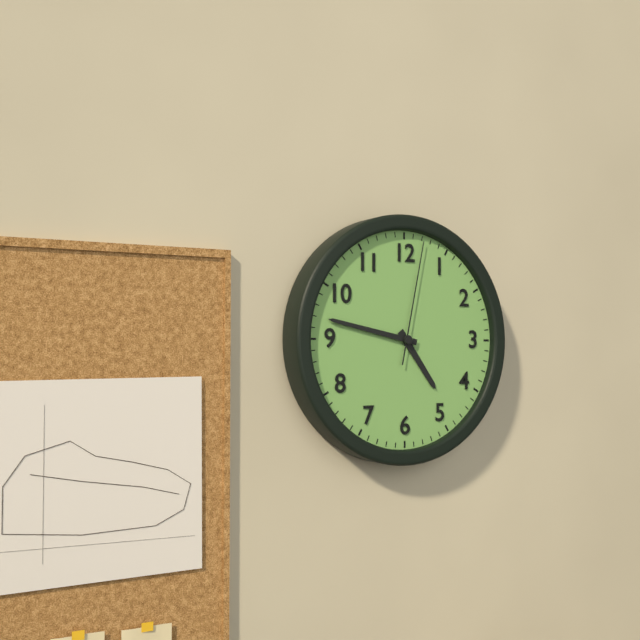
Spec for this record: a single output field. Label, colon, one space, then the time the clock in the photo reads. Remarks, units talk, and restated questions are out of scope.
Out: 4:47:02
